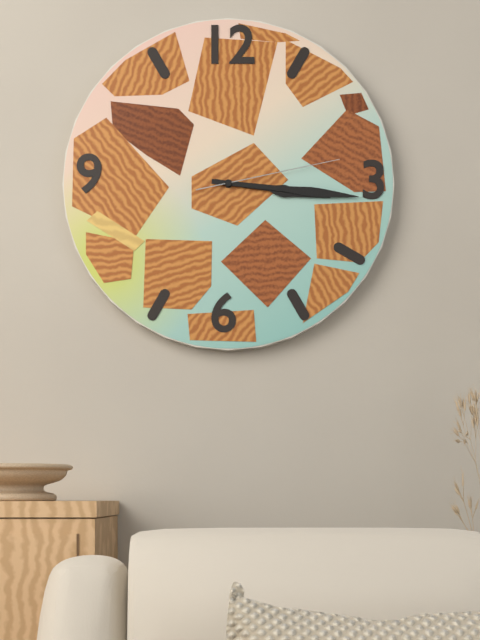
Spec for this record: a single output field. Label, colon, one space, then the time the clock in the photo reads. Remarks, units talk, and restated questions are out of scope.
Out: 3:16:13
